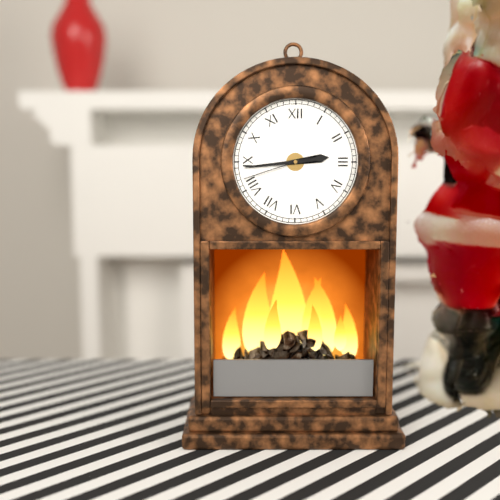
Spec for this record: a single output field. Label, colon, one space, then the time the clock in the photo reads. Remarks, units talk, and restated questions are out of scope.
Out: 2:44:42
